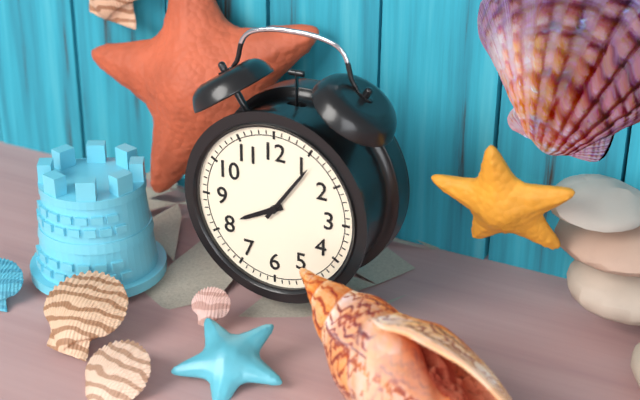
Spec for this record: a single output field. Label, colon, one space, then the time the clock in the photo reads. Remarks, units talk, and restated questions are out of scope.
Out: 8:06
